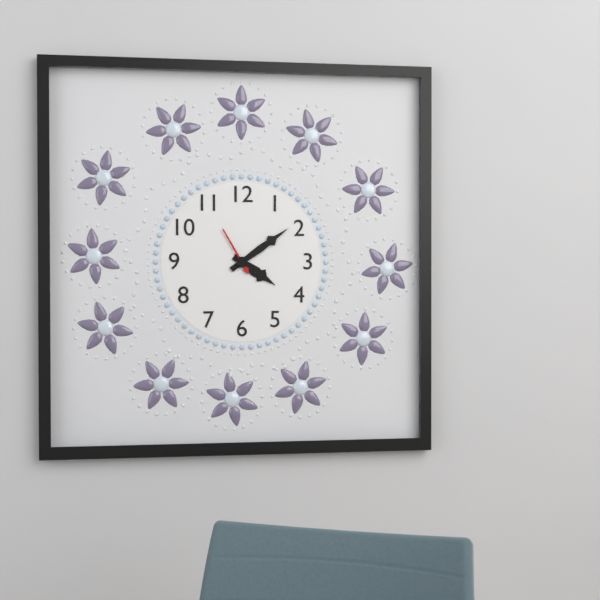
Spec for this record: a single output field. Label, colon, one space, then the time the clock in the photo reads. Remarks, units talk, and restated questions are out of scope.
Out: 4:09
